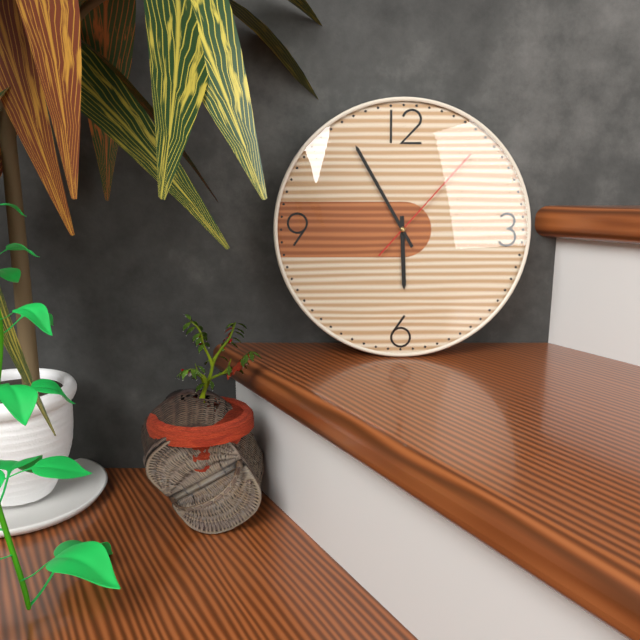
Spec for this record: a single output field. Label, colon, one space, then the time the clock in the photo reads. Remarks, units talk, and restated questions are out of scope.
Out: 5:55:07
